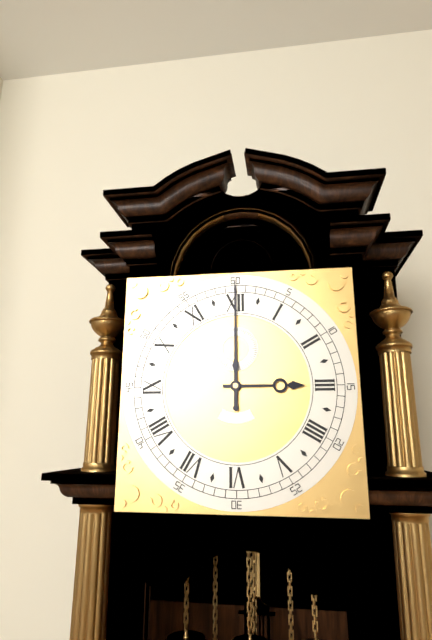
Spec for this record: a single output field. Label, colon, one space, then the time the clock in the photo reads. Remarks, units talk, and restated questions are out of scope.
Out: 3:00
